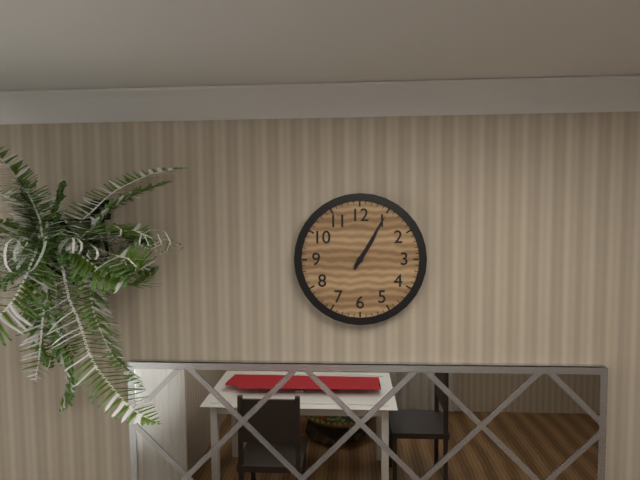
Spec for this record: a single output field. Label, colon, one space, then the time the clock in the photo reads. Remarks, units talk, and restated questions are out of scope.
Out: 1:05
